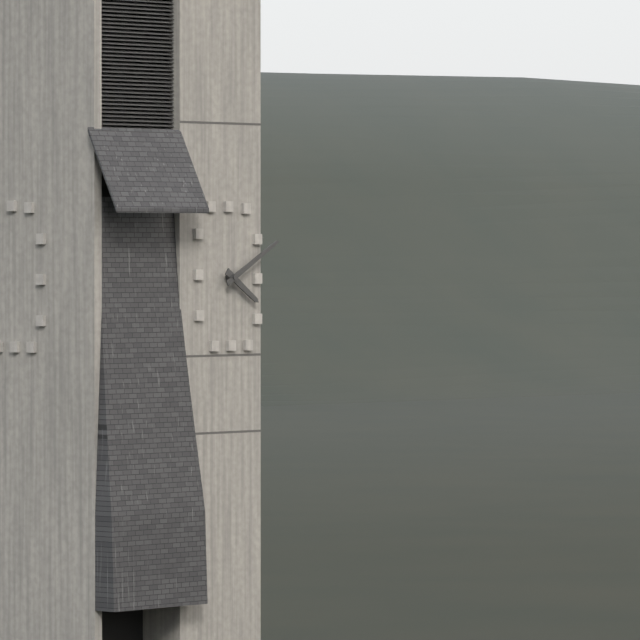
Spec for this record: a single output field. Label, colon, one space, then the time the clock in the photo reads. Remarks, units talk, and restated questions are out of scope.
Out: 4:10
